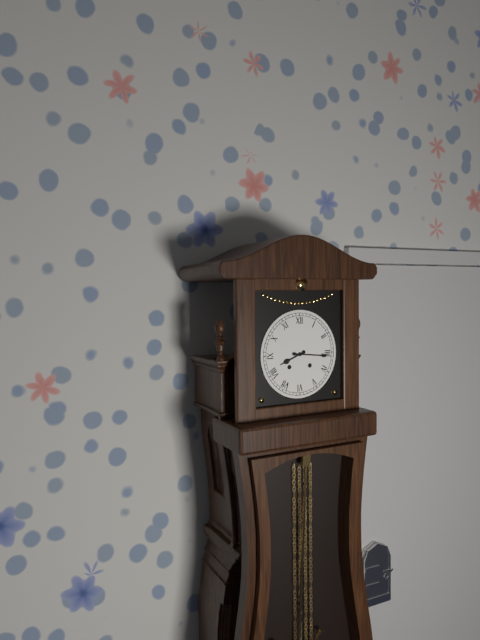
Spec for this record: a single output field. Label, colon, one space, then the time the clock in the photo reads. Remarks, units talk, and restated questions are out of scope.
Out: 8:16
